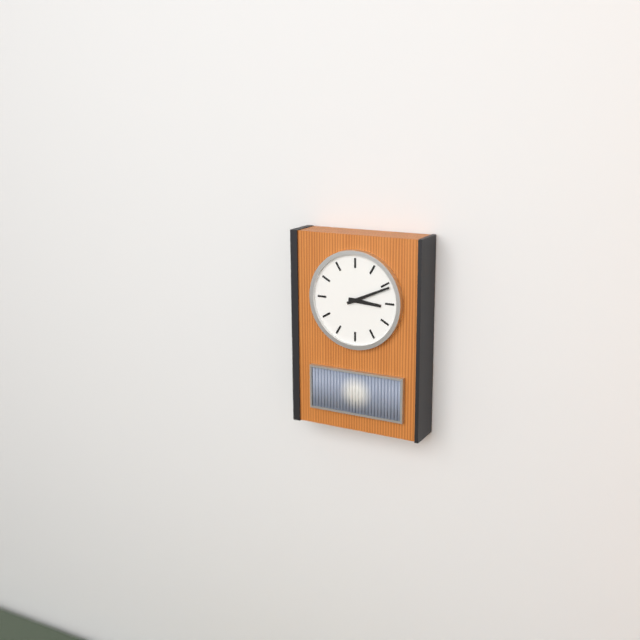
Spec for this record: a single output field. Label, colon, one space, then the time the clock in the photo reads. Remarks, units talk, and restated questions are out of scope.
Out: 3:11
